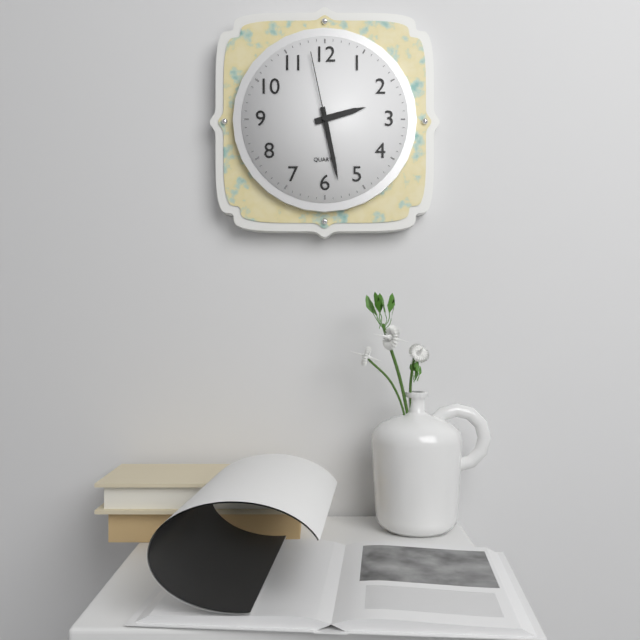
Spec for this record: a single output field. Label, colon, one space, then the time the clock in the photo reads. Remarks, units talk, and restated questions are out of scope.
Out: 2:28:58
